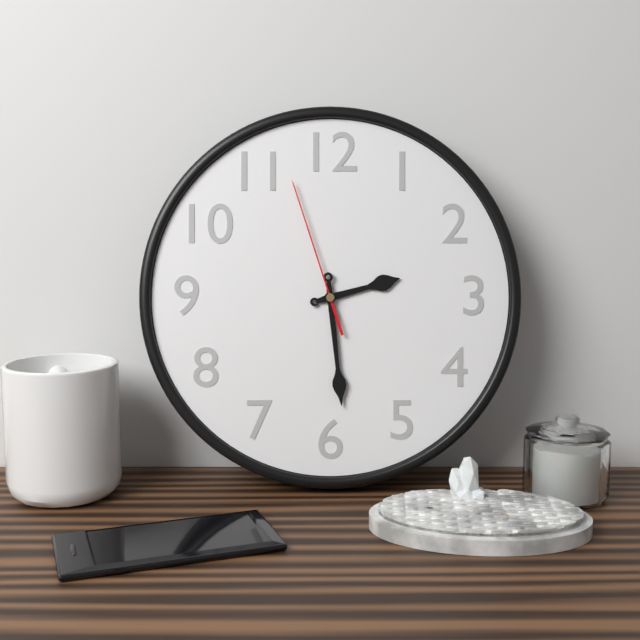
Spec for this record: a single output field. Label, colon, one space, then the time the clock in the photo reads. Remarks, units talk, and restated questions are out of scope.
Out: 2:29:57
